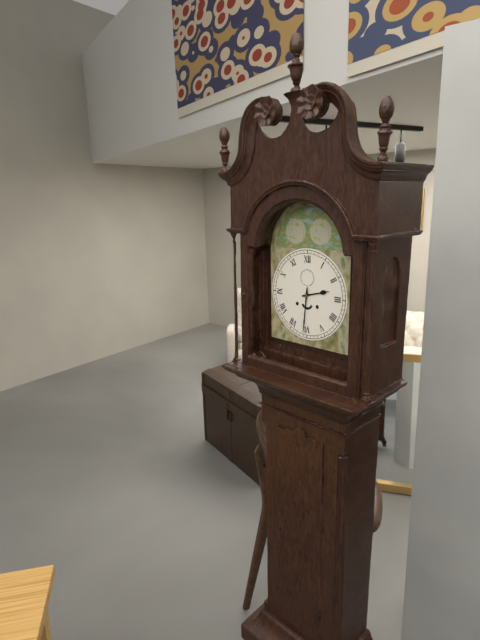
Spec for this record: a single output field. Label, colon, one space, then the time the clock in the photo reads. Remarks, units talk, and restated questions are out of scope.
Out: 2:31
